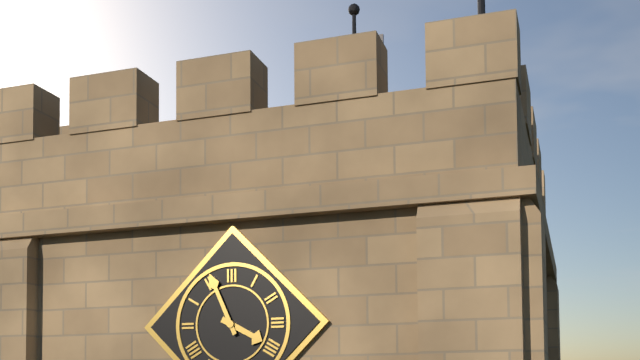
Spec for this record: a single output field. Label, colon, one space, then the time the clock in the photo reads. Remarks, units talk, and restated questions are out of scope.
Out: 3:56
